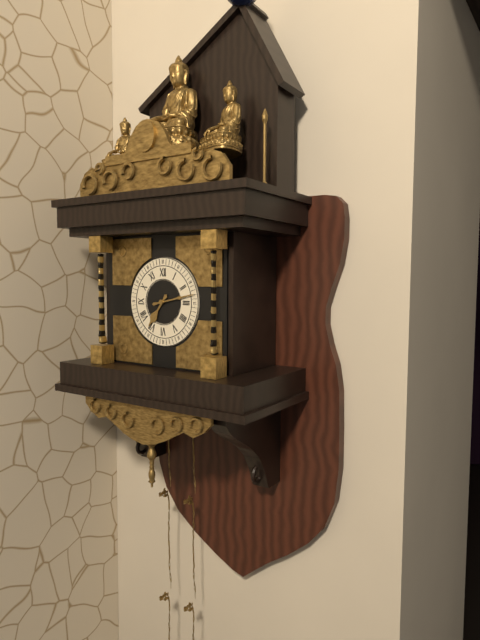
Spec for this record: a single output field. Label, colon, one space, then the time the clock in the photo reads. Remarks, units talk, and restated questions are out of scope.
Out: 7:13
